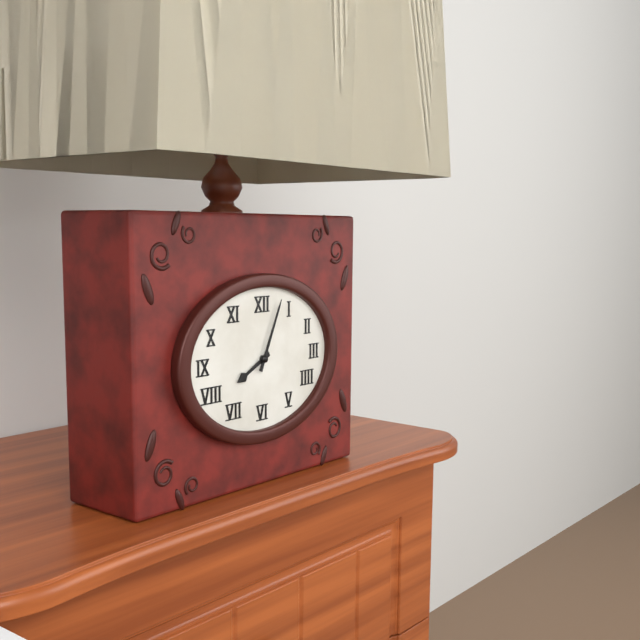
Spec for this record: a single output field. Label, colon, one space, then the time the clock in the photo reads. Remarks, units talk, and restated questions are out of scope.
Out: 8:04
